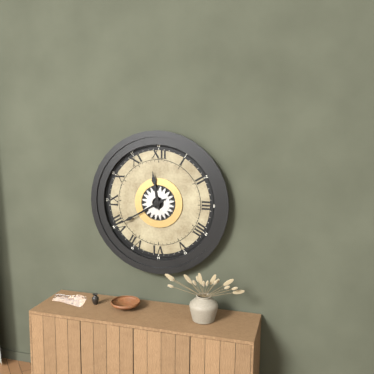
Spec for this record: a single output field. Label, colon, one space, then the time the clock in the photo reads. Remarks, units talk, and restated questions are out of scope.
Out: 11:40
